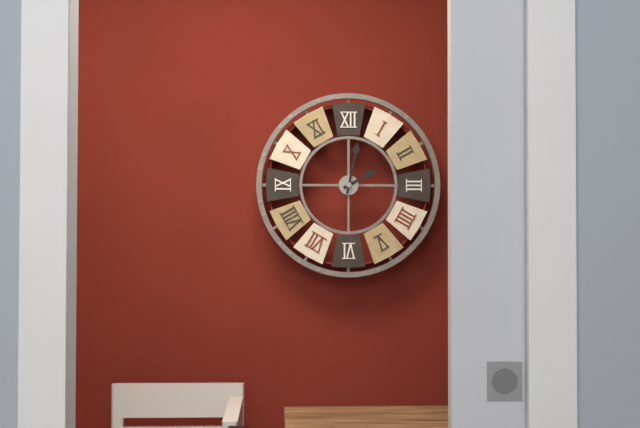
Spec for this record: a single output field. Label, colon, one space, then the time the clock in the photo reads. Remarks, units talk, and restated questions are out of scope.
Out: 2:02
